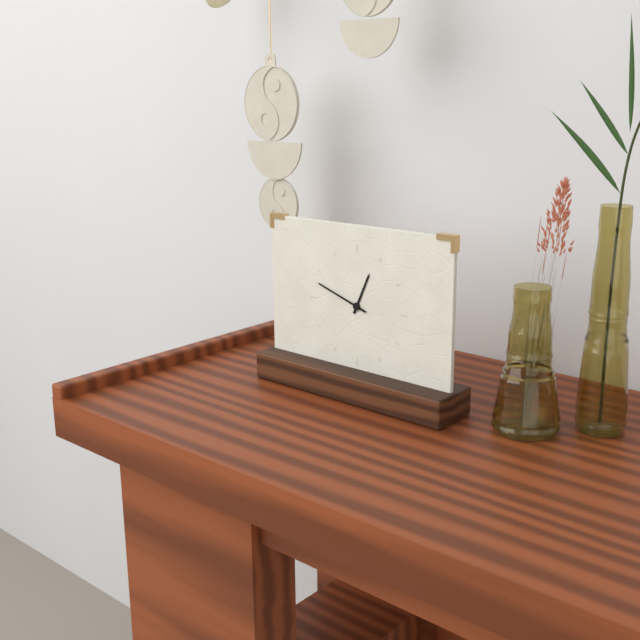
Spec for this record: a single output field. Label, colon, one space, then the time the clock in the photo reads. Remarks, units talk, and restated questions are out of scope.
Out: 12:48
